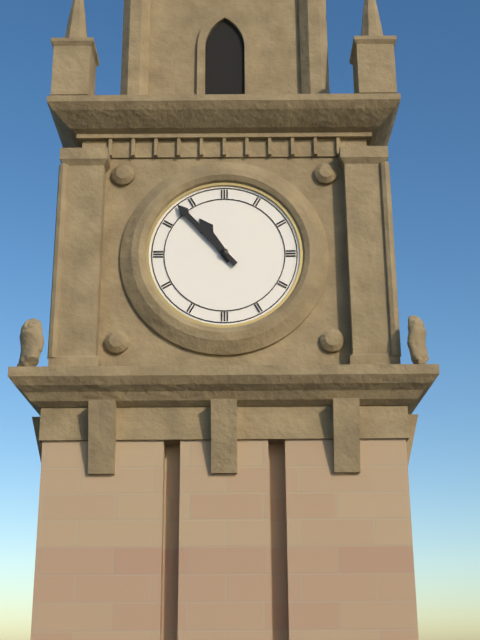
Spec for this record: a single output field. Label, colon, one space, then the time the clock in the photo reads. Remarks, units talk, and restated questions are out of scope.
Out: 10:53
